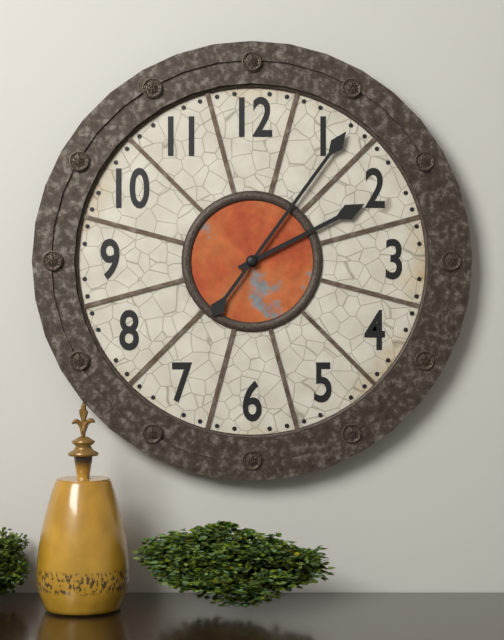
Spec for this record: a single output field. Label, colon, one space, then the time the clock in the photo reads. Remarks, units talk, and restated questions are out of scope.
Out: 2:06
